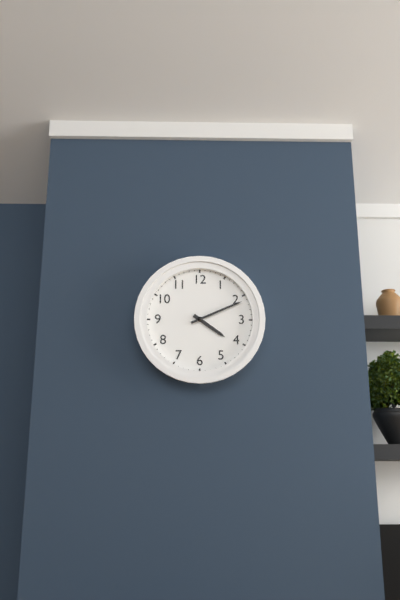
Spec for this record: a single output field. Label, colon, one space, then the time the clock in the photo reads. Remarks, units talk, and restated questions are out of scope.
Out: 4:11
